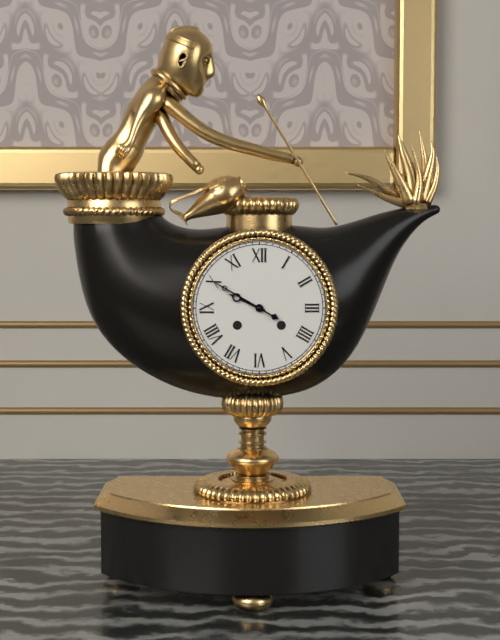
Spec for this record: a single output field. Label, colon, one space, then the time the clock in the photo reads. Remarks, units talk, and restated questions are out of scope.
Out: 9:50
